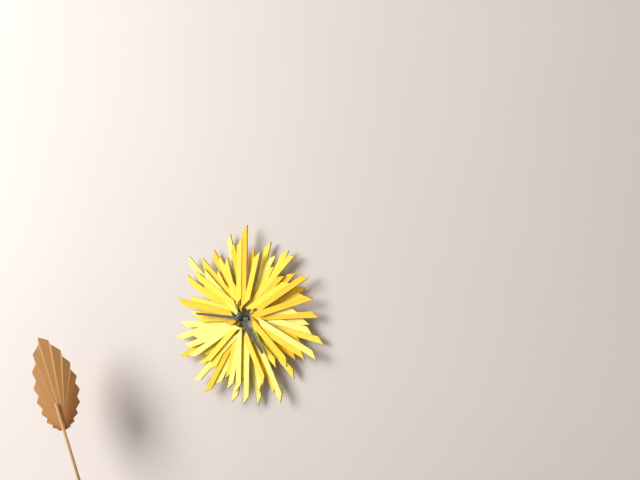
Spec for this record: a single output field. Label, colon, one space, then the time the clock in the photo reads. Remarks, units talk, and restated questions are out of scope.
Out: 4:46
